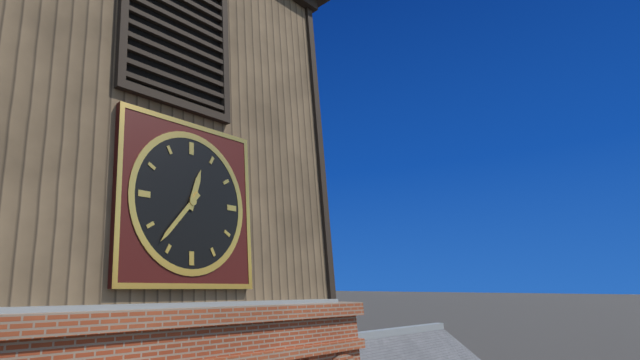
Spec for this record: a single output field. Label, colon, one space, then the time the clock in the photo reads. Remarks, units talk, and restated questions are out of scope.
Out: 12:37
